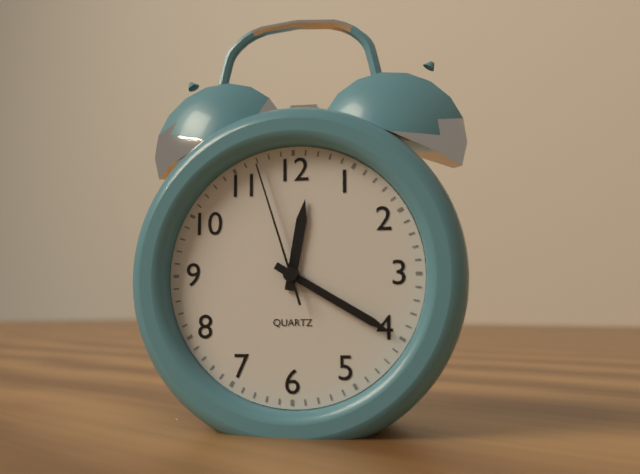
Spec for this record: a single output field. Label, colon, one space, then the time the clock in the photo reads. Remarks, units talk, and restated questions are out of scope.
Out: 12:20:57
